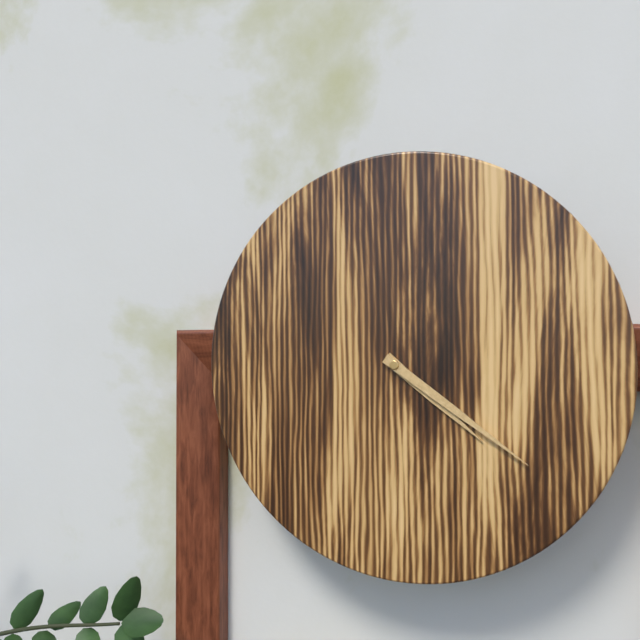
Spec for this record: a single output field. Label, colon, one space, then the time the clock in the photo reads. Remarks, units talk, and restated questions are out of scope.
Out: 4:21
